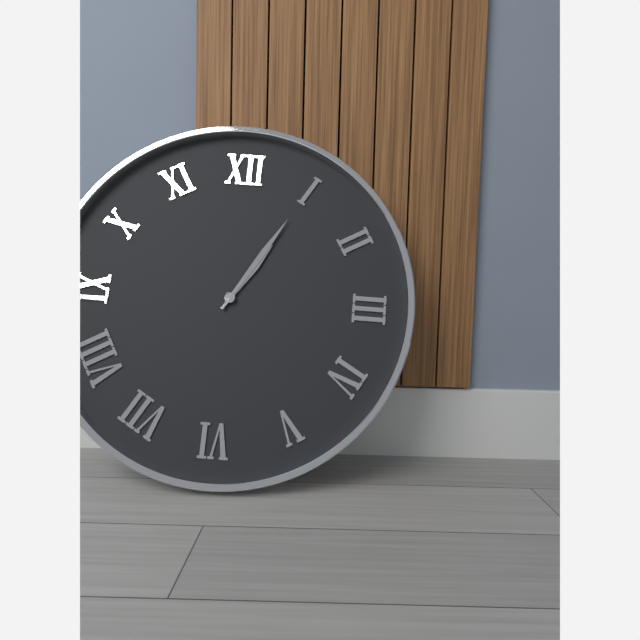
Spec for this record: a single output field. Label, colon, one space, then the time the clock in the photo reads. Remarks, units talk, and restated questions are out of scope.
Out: 1:05
